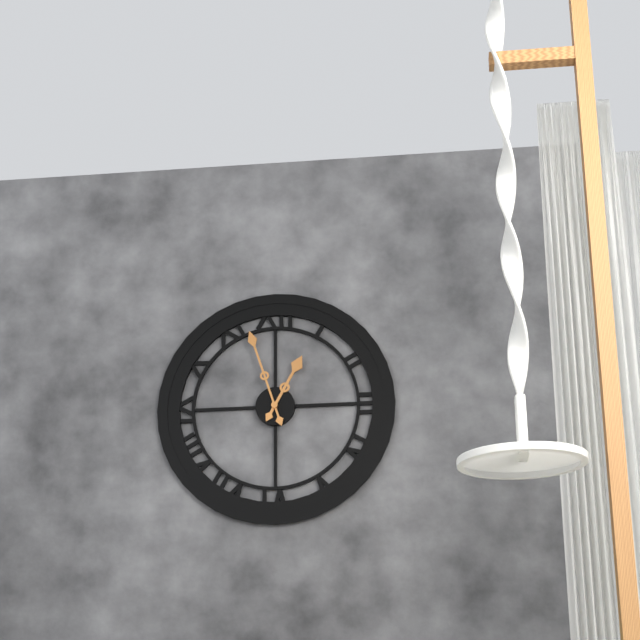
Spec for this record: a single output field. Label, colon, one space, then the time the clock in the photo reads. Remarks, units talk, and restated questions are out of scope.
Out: 12:57
